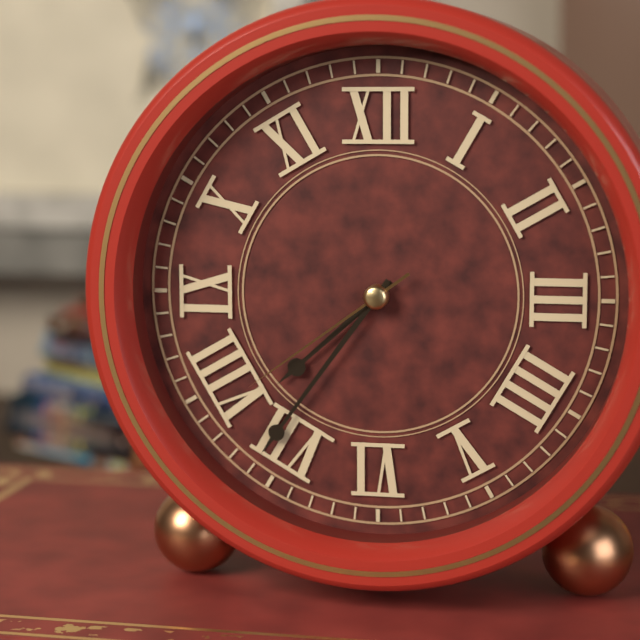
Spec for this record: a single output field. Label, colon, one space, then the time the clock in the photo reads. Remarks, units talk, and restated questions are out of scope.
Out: 7:36:39
